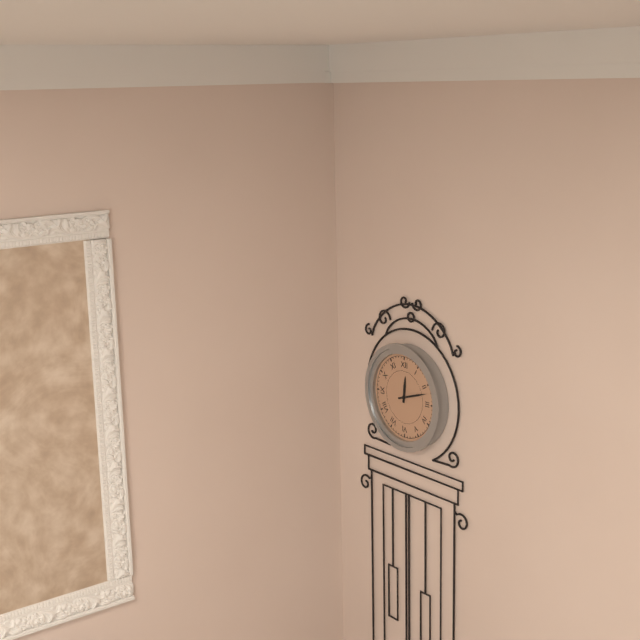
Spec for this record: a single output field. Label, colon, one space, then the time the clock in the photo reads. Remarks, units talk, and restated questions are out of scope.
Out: 12:12
